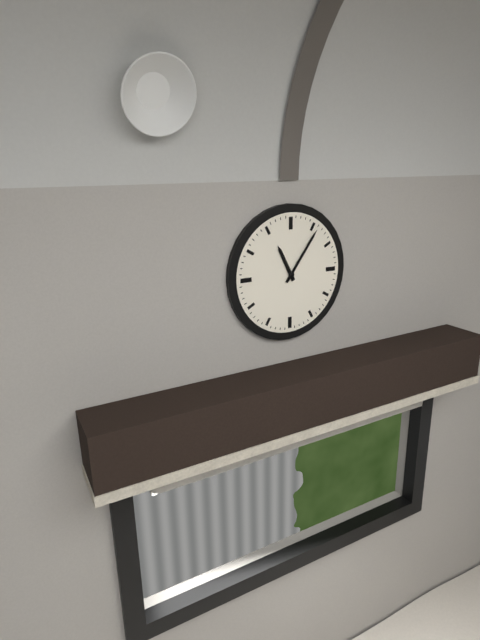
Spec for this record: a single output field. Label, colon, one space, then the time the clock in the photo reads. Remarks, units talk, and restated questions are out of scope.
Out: 11:06
